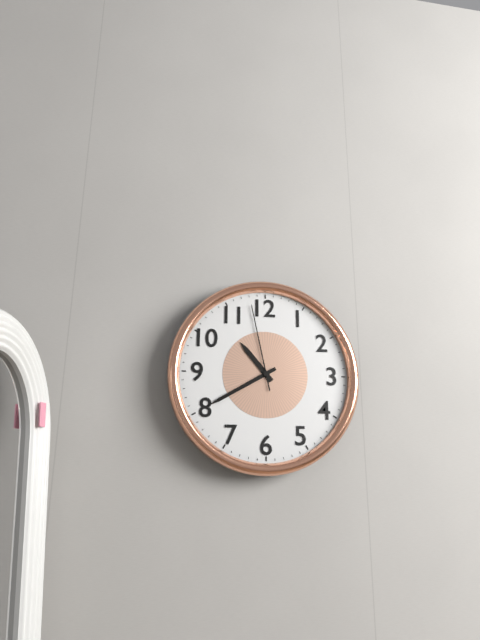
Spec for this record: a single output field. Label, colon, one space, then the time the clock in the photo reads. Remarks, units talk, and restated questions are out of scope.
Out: 10:40:58
